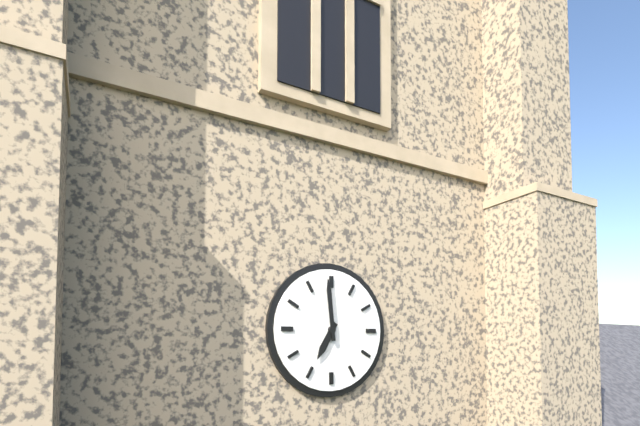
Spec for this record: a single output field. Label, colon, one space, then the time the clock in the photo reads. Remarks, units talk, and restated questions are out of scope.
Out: 6:59
